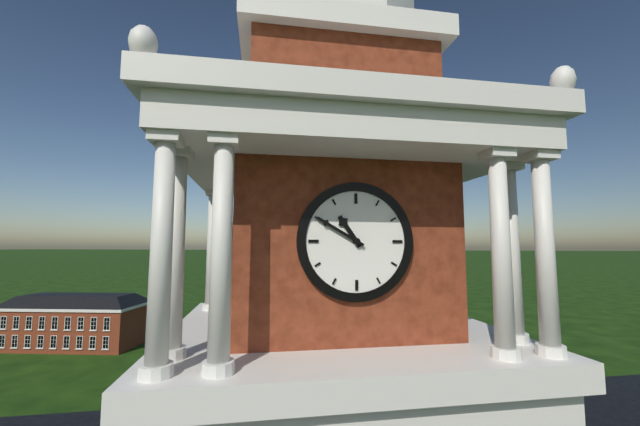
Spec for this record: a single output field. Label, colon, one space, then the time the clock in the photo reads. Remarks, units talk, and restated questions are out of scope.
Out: 10:50
